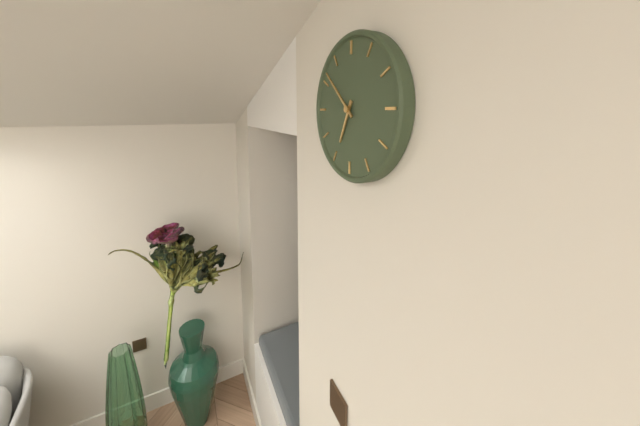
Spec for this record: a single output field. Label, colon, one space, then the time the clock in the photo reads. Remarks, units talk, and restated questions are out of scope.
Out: 6:52
